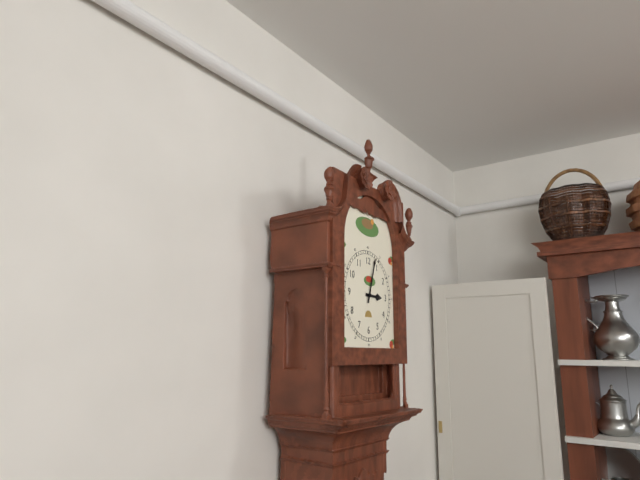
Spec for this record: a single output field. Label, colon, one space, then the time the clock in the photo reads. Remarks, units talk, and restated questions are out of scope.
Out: 3:03
